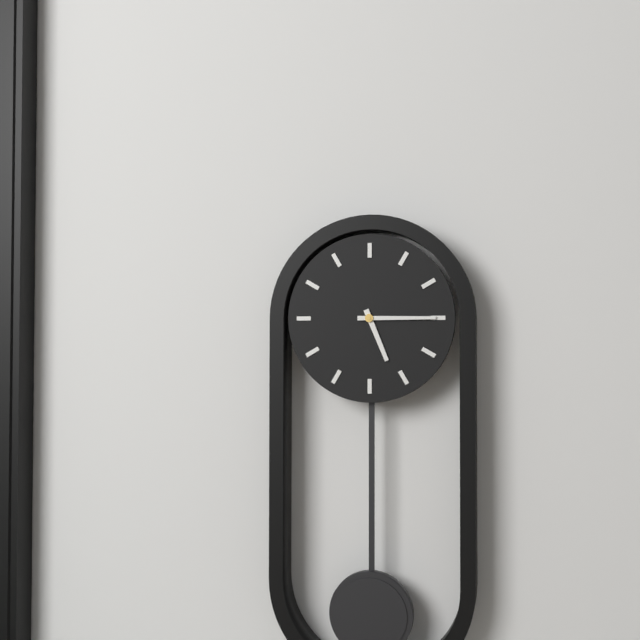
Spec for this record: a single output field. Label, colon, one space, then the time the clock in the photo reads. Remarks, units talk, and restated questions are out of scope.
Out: 5:15
